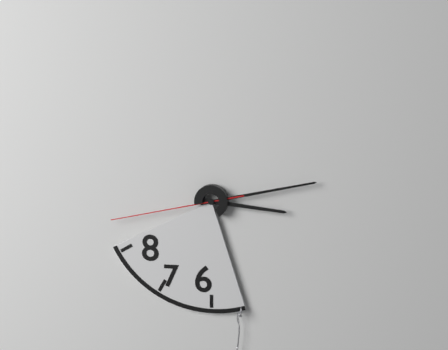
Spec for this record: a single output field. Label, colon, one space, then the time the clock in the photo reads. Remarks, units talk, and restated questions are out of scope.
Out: 3:13:43
